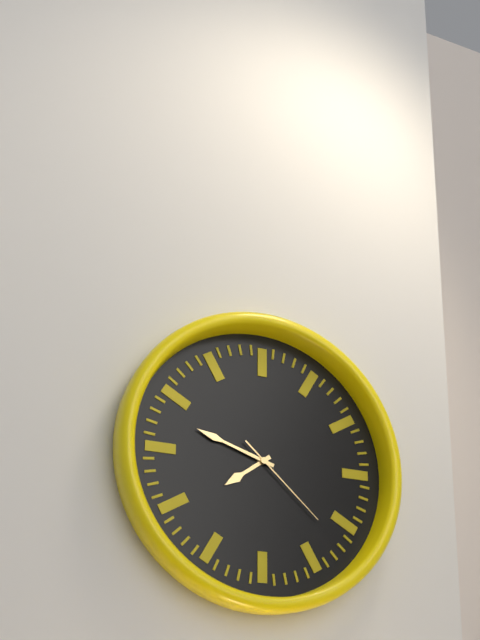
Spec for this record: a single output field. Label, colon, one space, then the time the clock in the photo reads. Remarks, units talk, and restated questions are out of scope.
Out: 7:48:22
